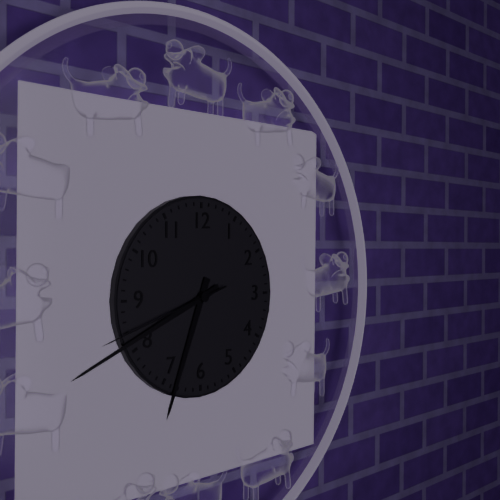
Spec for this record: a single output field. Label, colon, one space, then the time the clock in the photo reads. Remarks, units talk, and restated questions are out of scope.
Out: 6:41:42
